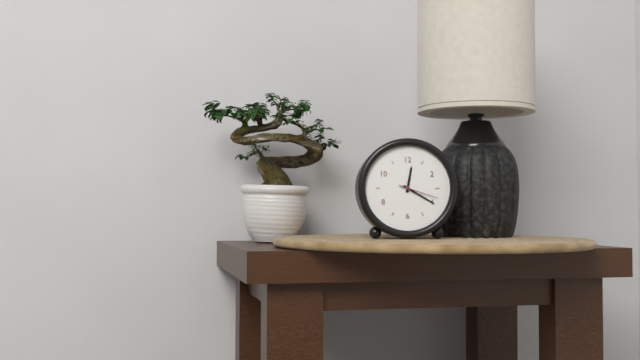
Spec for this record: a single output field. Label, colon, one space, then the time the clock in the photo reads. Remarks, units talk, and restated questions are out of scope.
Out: 12:20
